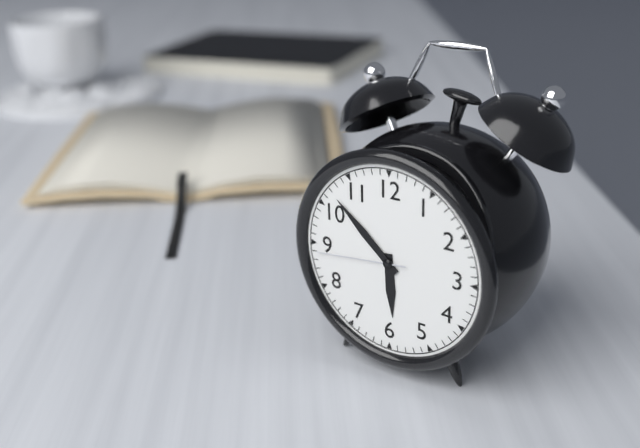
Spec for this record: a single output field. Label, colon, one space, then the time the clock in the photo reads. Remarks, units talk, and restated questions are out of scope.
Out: 5:52:44
